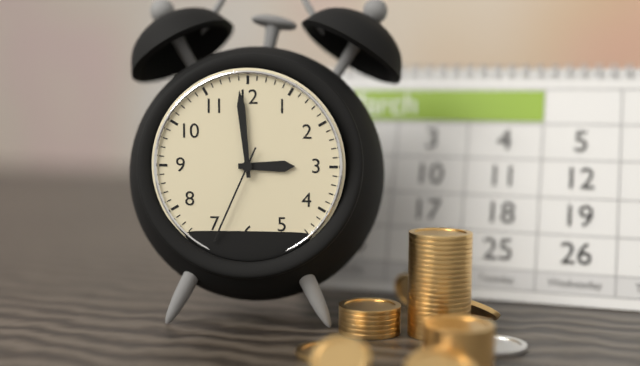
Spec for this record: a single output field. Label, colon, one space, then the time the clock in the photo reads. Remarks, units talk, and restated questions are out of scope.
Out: 2:59:34
